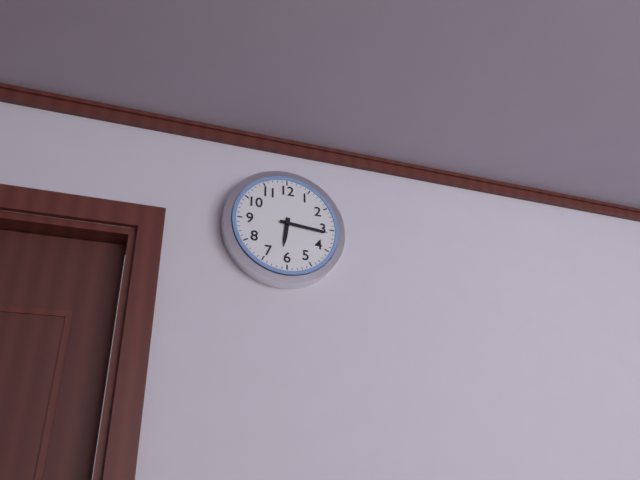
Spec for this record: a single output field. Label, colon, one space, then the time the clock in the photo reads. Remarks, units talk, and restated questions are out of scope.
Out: 6:16
